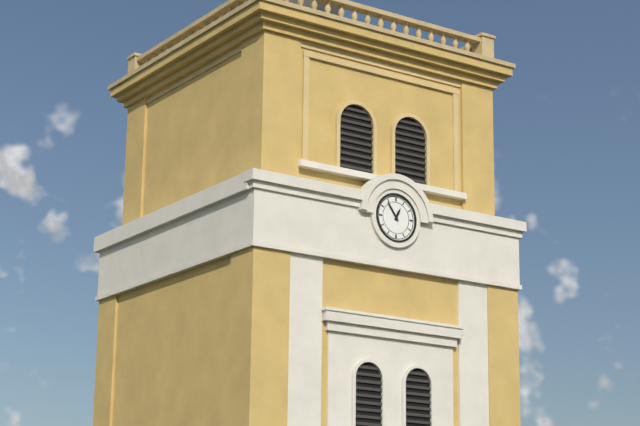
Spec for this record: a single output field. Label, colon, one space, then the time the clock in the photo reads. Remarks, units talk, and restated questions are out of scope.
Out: 12:54
